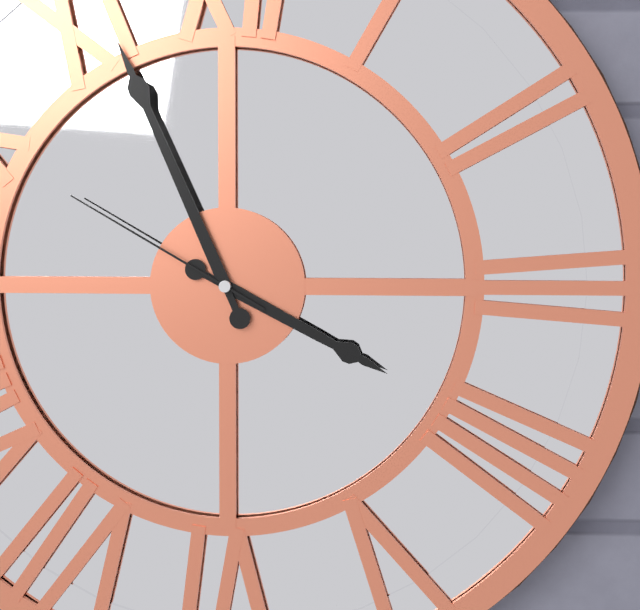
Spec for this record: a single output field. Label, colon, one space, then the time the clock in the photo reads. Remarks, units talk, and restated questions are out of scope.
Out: 3:56:50
